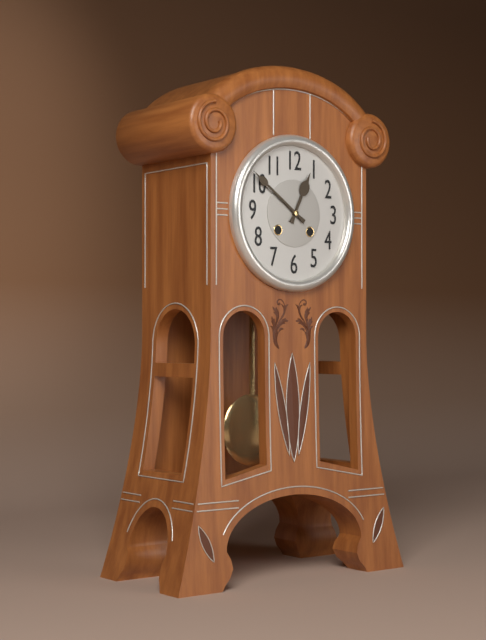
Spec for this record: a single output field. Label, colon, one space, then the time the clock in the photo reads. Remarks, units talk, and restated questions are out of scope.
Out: 12:51
